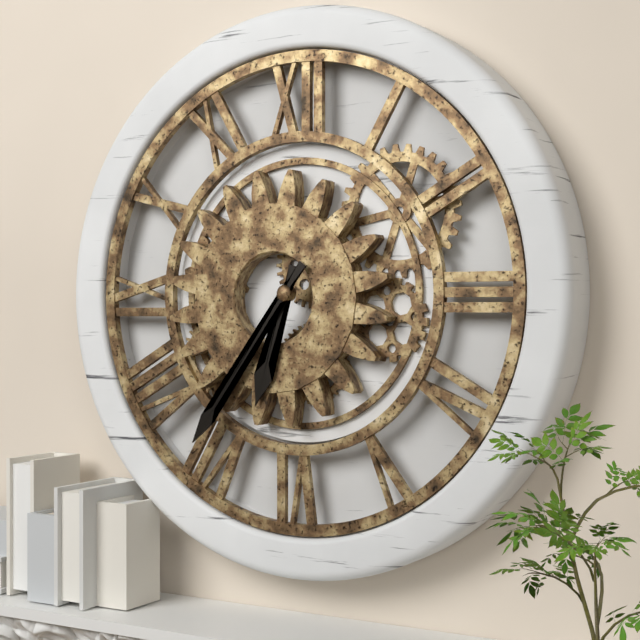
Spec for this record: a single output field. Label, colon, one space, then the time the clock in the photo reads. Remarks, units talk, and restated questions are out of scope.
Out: 6:36
